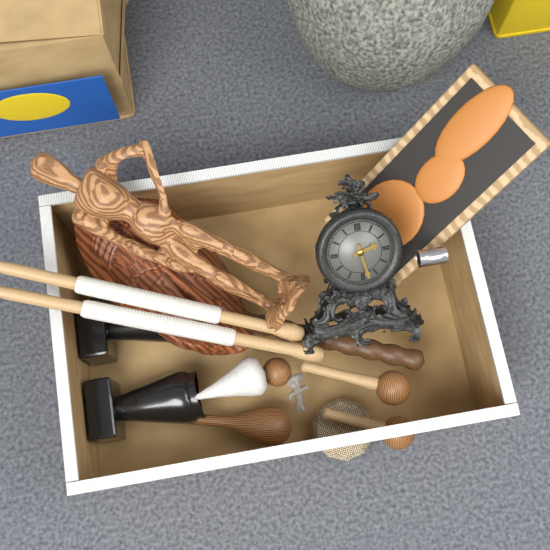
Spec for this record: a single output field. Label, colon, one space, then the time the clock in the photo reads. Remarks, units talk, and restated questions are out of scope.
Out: 2:28
